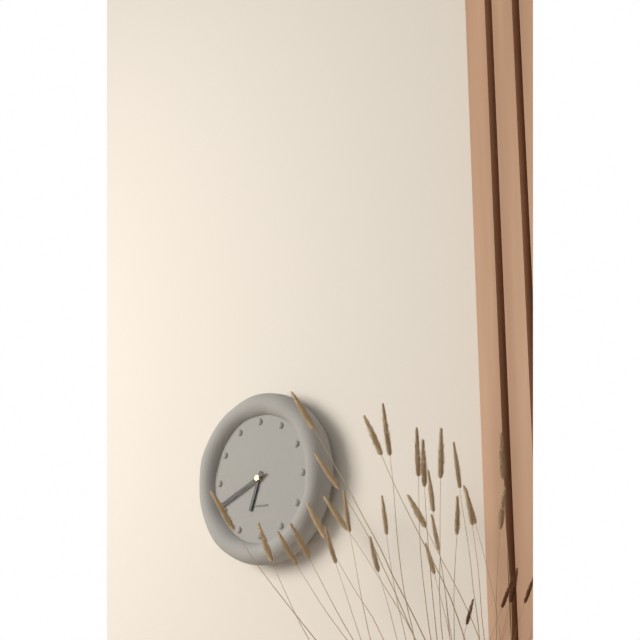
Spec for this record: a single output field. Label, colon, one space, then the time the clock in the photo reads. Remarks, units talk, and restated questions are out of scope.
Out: 6:41
